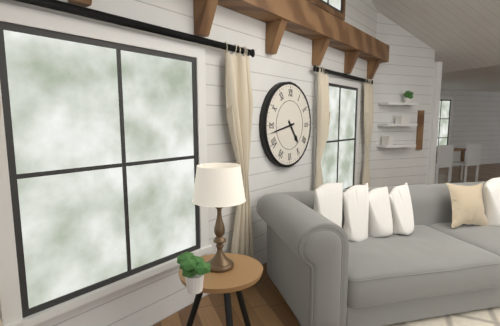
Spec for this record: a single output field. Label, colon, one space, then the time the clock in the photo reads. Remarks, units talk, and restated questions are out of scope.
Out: 4:43
